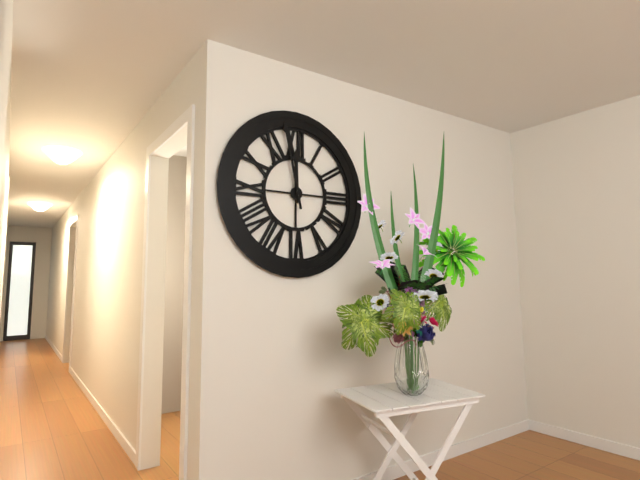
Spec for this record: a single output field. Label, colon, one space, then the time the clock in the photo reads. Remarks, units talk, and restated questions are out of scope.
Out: 11:58
